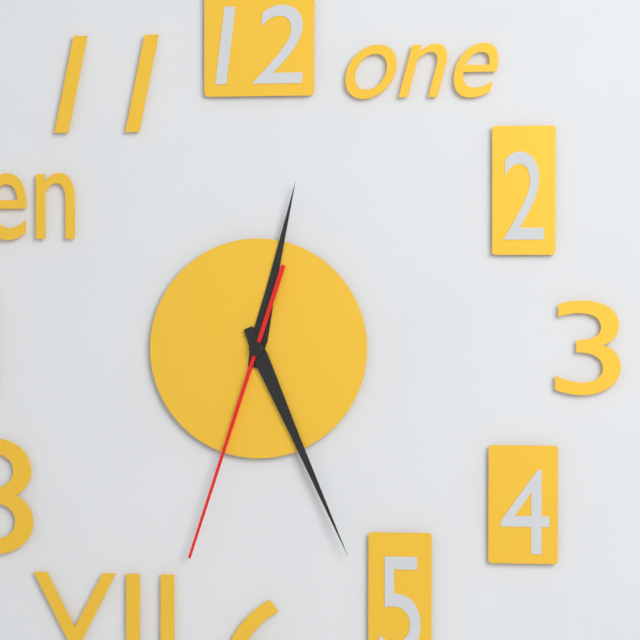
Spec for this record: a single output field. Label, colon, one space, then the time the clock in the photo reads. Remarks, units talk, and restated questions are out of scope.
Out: 12:26:33
